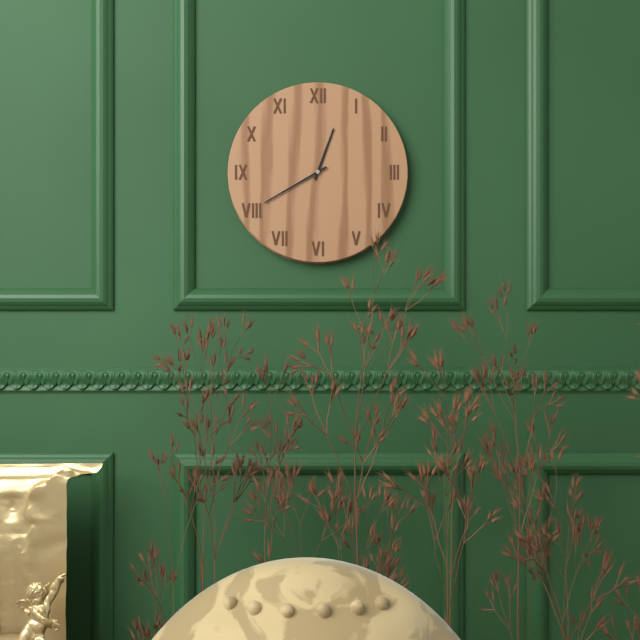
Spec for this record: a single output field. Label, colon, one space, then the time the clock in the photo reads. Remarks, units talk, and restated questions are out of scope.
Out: 12:40
